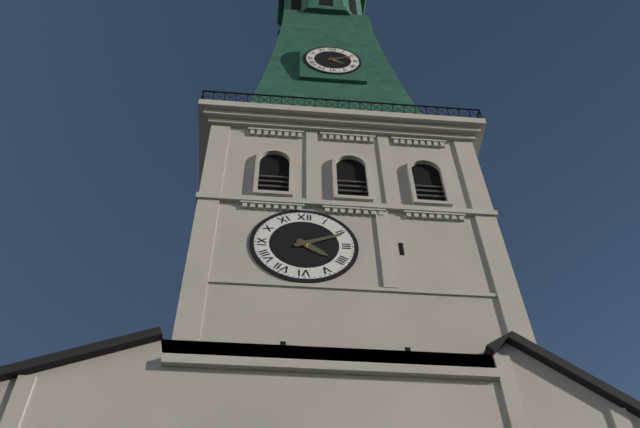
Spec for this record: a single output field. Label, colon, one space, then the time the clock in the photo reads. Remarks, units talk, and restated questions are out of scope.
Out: 4:11
